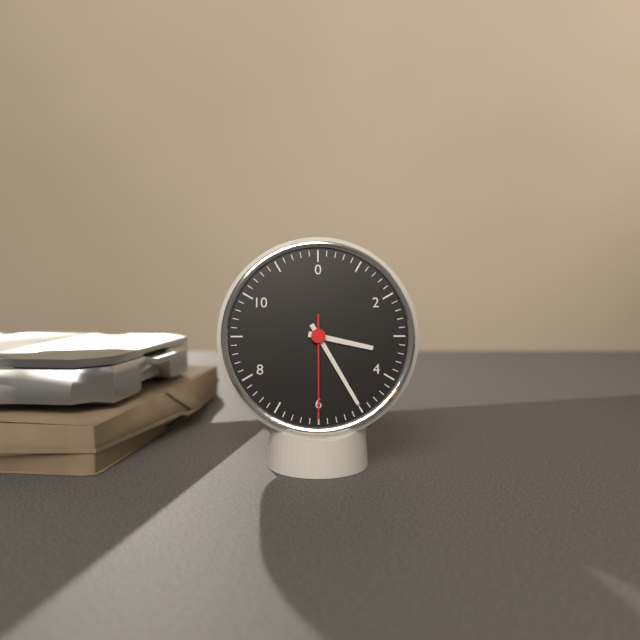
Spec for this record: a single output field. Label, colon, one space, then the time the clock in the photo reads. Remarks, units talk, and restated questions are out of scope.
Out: 3:25:30
